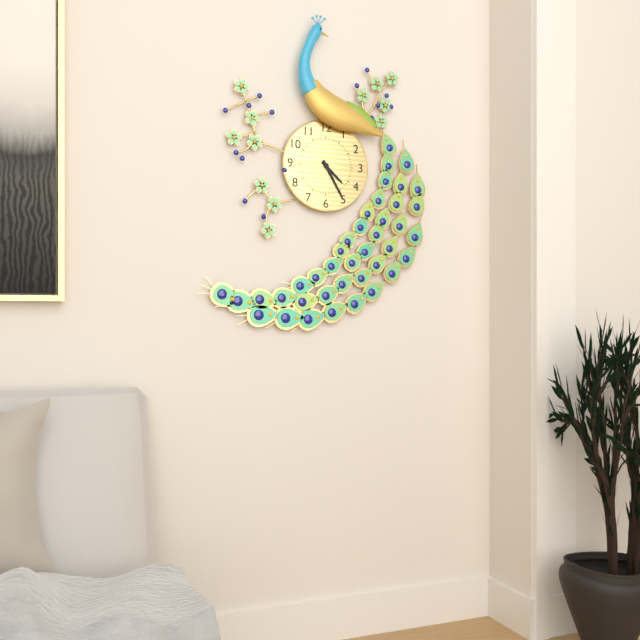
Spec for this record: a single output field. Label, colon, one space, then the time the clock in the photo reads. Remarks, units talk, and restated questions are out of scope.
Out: 4:25
